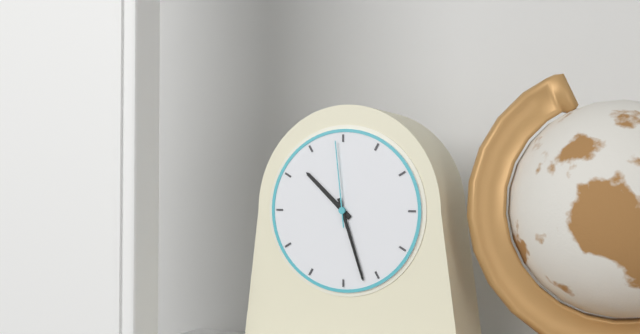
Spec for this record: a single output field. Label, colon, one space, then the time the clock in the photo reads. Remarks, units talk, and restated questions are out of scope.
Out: 10:27:59
